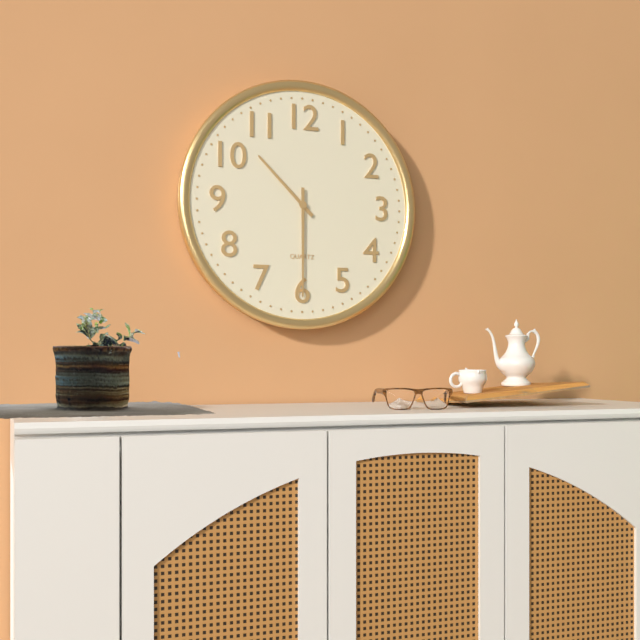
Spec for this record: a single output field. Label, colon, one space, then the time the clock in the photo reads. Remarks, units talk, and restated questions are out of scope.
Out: 10:30
